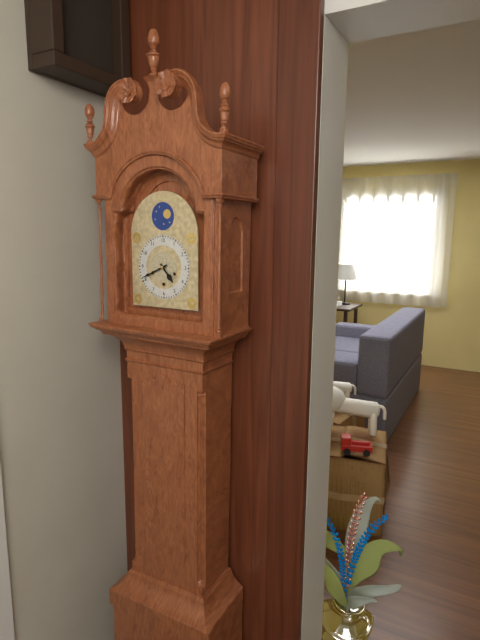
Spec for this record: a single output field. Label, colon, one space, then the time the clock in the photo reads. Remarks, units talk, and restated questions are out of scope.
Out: 4:41
